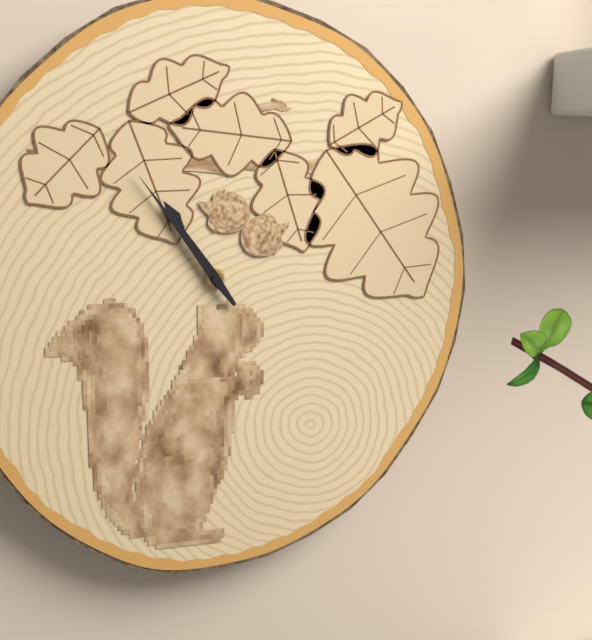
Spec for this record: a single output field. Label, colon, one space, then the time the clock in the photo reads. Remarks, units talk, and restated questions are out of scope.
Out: 10:54
